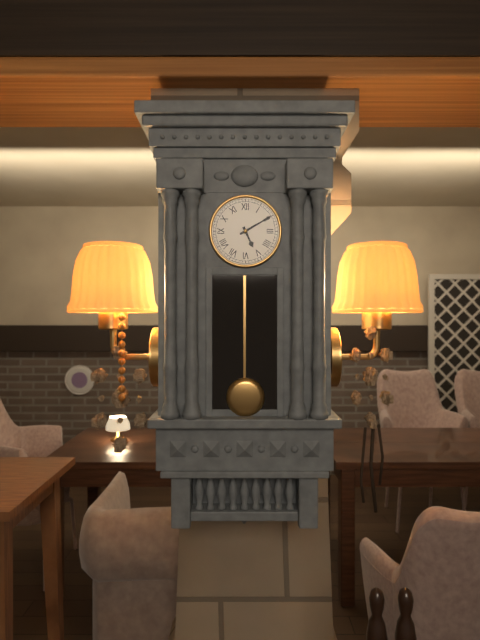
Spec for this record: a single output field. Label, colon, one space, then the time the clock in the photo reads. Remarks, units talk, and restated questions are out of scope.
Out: 5:10
